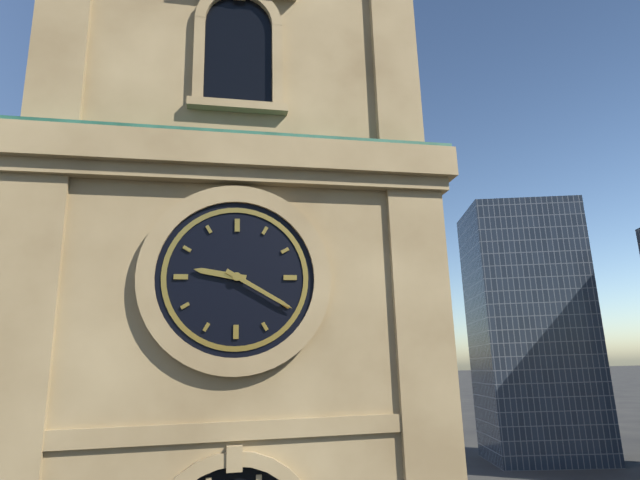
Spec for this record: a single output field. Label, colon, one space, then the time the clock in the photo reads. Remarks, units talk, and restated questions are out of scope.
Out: 9:20
